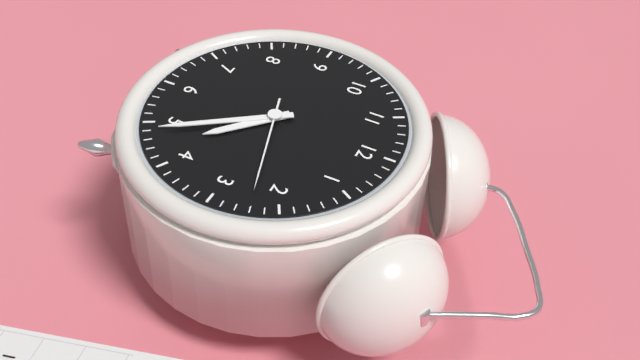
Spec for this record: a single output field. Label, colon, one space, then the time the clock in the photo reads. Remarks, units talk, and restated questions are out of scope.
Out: 4:24:12
